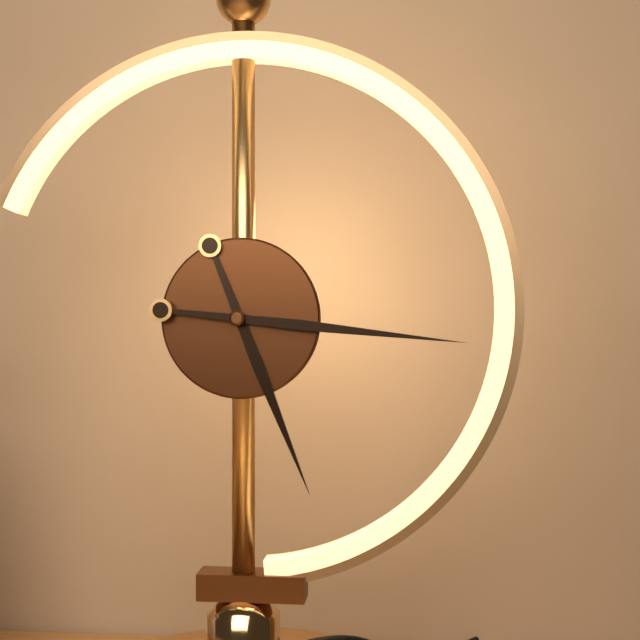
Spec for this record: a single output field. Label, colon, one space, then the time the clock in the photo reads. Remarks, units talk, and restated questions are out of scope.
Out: 5:16
